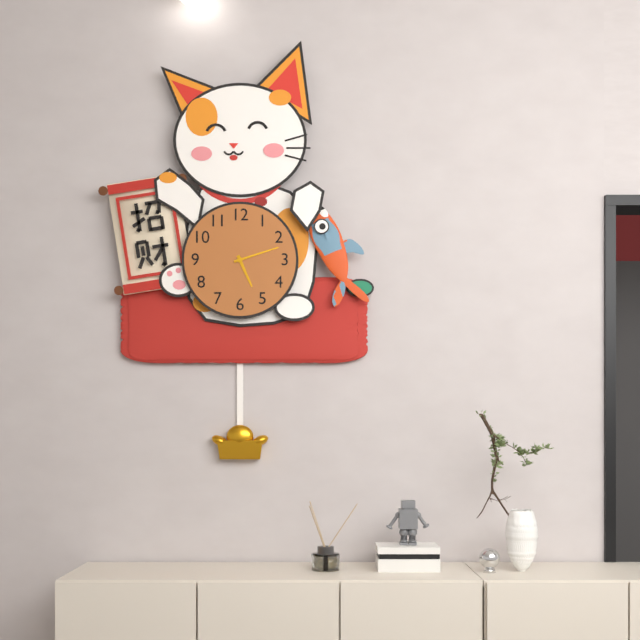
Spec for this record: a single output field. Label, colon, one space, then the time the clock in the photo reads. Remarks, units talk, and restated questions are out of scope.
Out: 5:12
